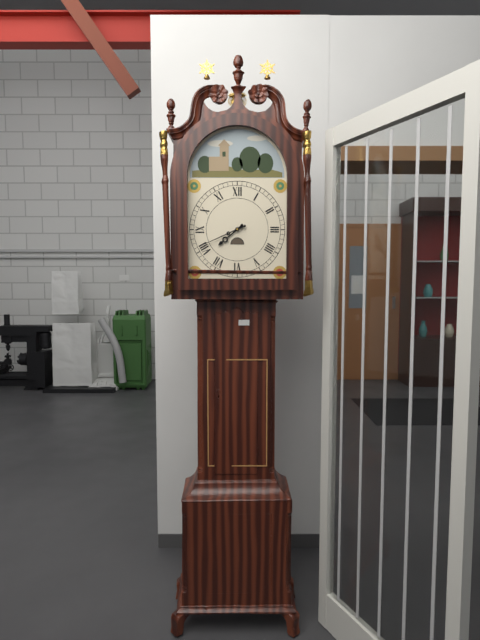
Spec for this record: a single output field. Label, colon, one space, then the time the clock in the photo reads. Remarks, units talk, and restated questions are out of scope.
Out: 7:41
